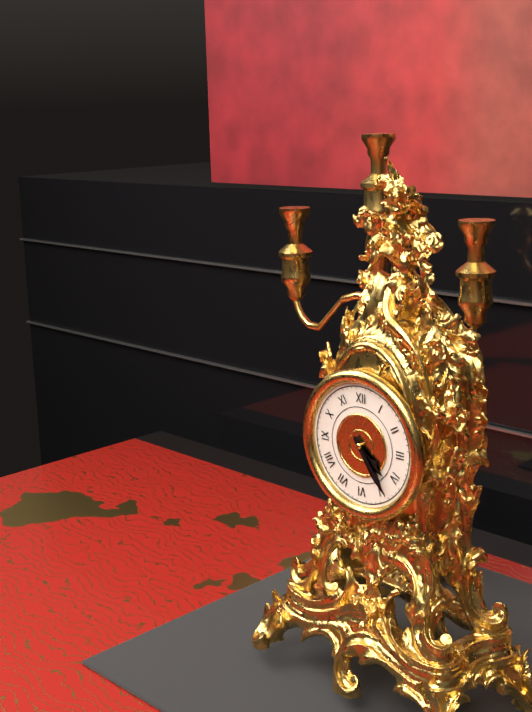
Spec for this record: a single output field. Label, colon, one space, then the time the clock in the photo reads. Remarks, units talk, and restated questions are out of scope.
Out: 4:24
